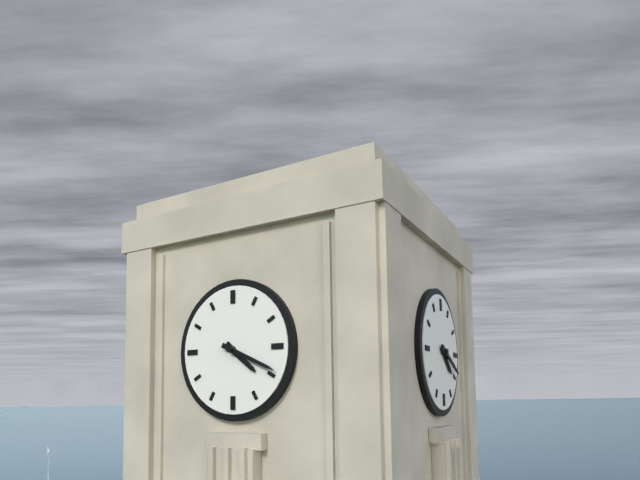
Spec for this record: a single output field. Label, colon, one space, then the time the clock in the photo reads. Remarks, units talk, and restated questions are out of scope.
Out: 4:19
